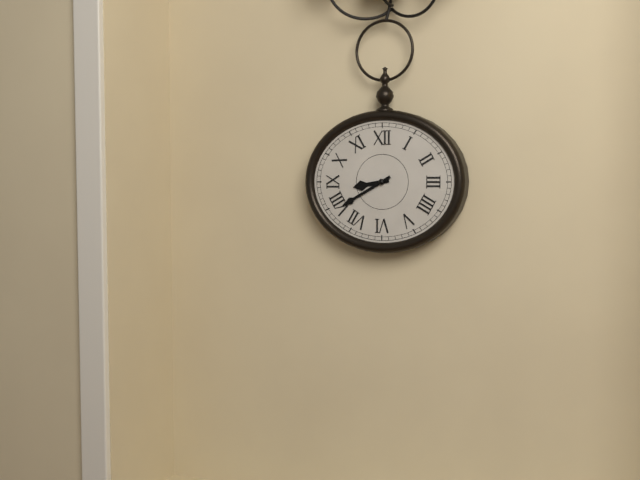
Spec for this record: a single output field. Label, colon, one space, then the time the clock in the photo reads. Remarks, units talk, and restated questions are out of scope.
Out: 8:40
